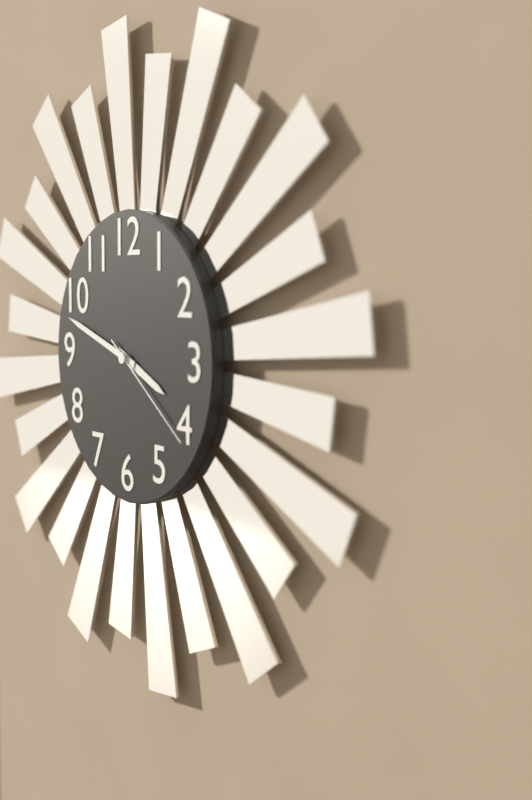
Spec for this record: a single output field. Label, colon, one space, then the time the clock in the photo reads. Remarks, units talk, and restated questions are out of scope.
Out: 3:48:21
